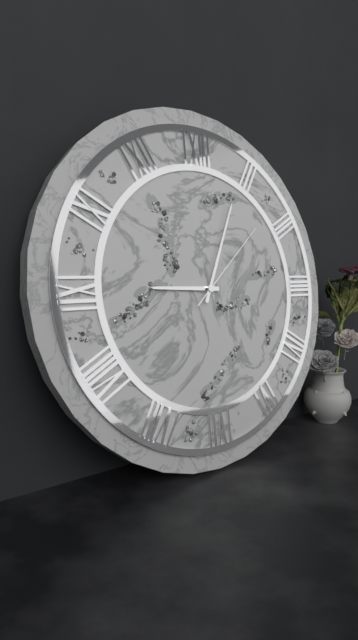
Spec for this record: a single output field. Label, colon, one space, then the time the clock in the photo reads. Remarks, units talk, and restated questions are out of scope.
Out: 9:04:08
